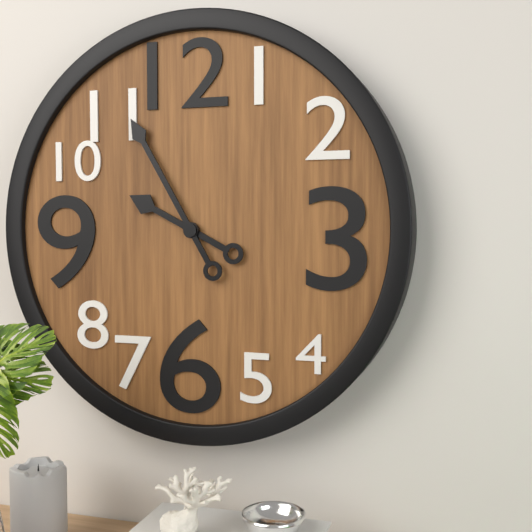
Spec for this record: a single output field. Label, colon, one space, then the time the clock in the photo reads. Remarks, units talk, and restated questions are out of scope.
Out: 9:55
